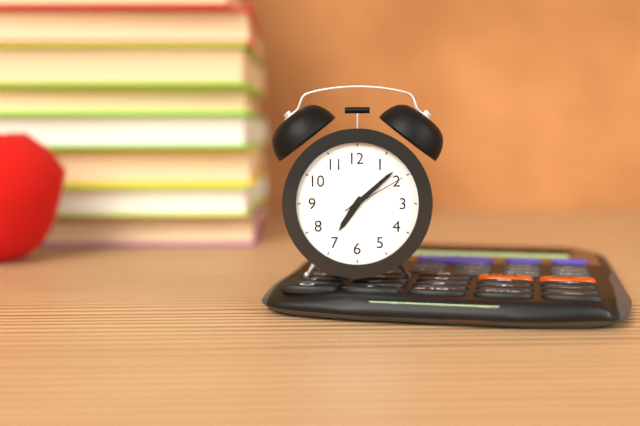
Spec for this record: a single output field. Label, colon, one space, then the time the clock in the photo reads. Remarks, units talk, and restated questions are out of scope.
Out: 7:08:10
